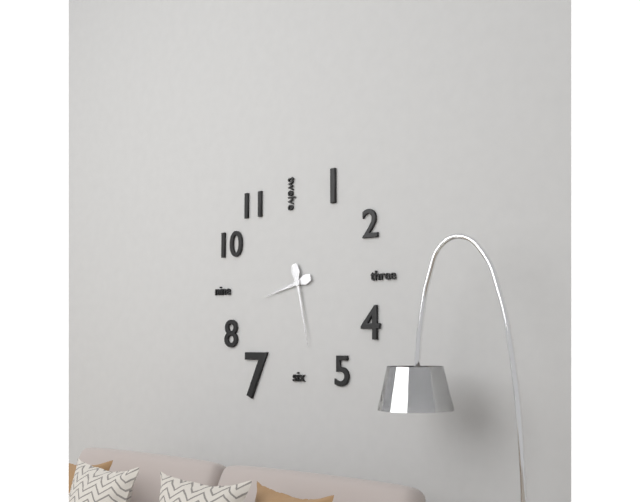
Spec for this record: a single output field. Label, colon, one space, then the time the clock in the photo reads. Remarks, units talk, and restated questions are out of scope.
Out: 8:28
